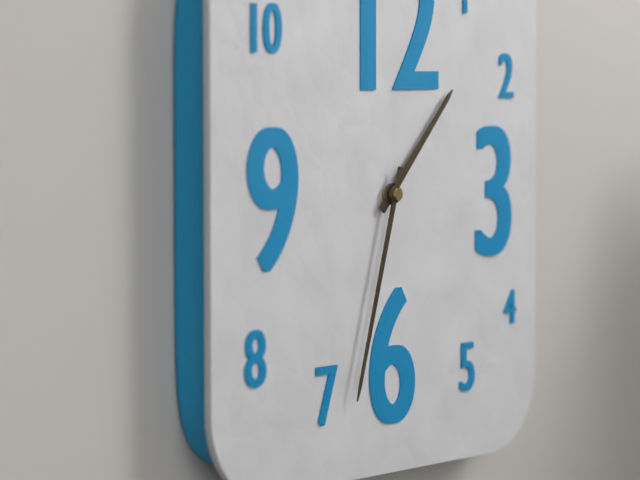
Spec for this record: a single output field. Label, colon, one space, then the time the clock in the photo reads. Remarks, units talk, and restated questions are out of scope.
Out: 1:33
